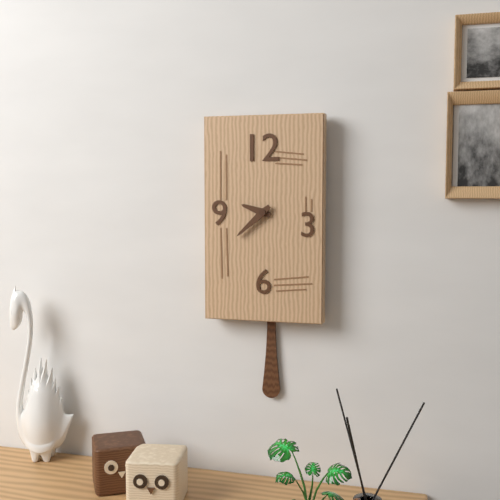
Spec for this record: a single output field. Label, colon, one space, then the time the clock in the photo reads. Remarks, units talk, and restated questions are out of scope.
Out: 9:38
